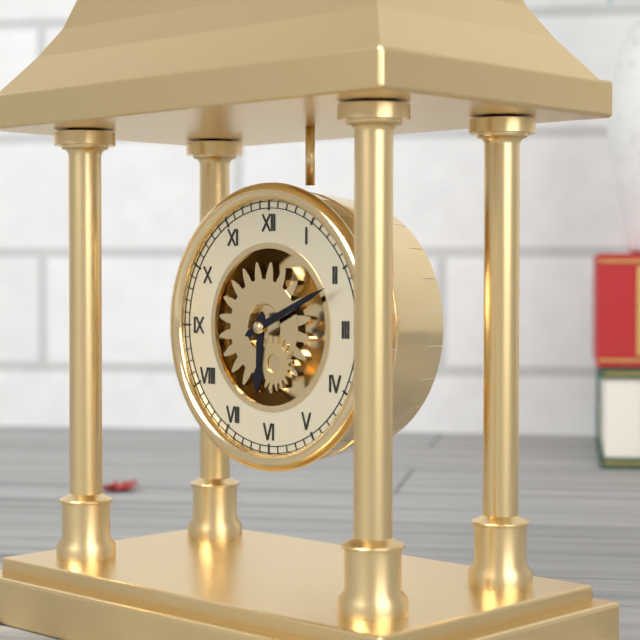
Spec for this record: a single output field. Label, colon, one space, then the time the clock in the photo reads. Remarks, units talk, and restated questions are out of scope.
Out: 6:11
